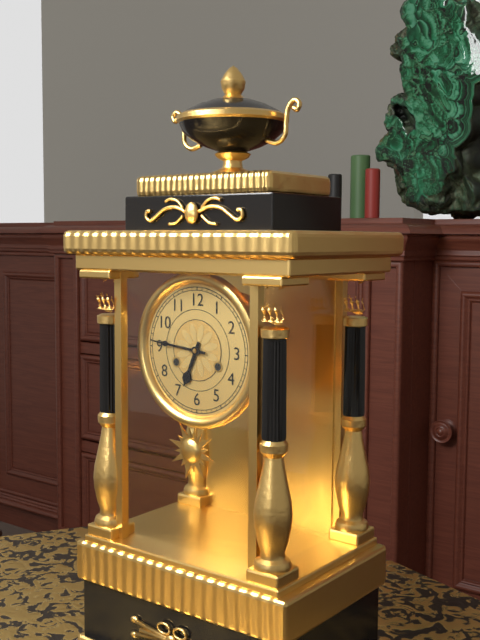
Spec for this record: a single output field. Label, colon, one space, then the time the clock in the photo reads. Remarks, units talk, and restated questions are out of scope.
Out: 6:46
